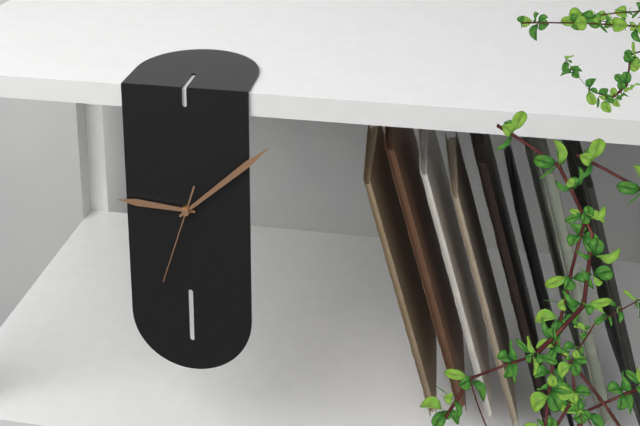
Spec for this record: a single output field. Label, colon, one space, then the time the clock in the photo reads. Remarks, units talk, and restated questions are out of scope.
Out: 9:08:33
